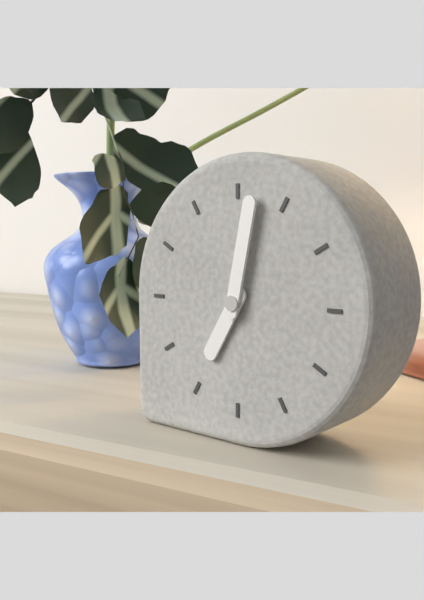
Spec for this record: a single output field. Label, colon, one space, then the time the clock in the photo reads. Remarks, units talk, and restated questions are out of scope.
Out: 7:02
